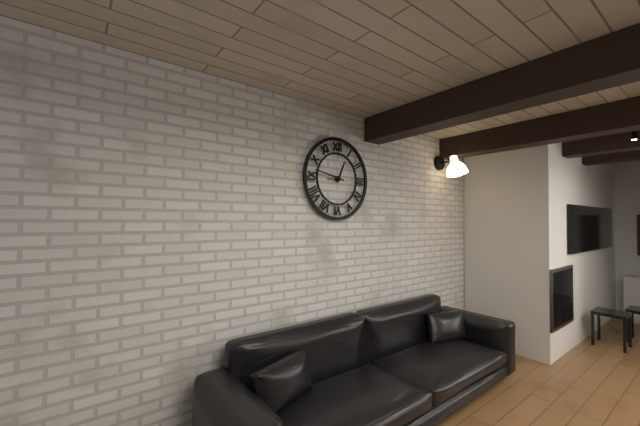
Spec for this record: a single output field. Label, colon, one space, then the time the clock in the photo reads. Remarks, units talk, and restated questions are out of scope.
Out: 12:47
